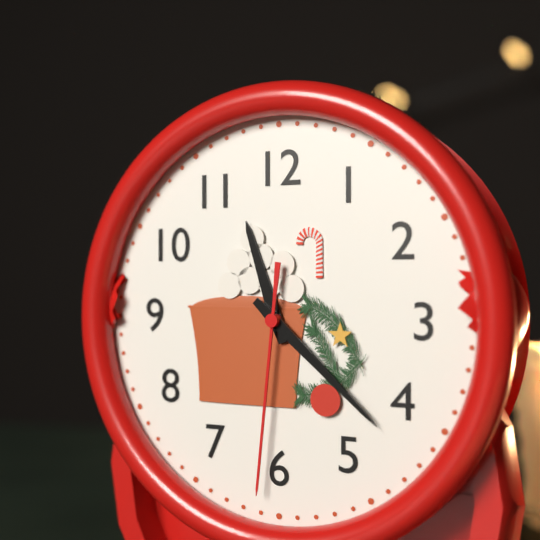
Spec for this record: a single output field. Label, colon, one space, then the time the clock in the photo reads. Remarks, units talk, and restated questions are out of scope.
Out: 11:22:31
